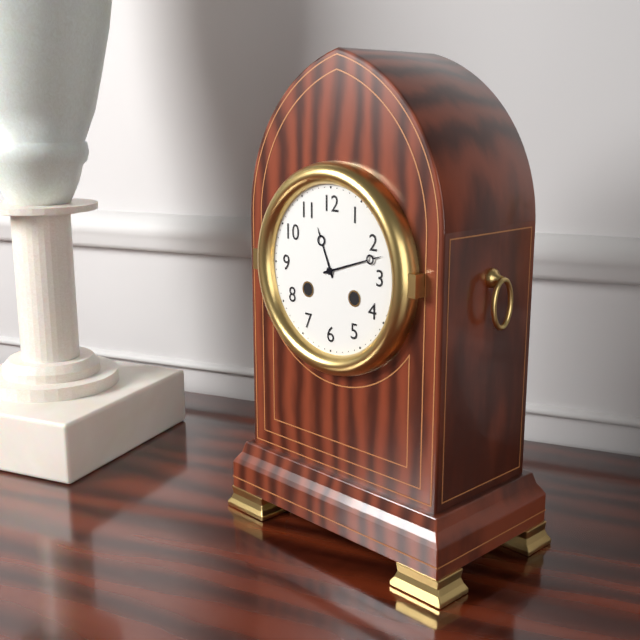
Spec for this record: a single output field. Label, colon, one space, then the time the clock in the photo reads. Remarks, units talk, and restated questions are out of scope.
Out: 11:12
